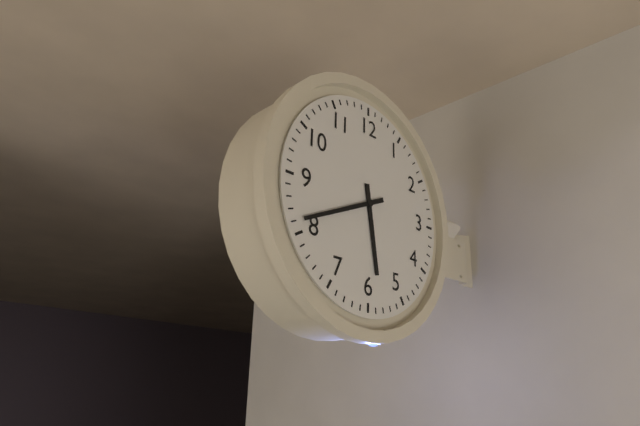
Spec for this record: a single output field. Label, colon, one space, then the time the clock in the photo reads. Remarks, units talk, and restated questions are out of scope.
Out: 5:41
